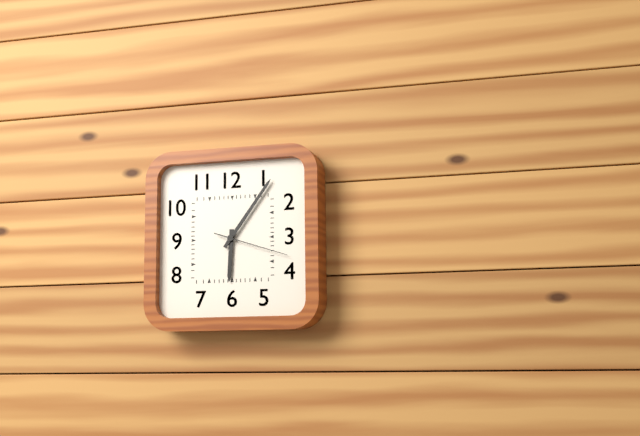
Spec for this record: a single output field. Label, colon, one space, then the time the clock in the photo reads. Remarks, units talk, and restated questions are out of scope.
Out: 6:06:18
